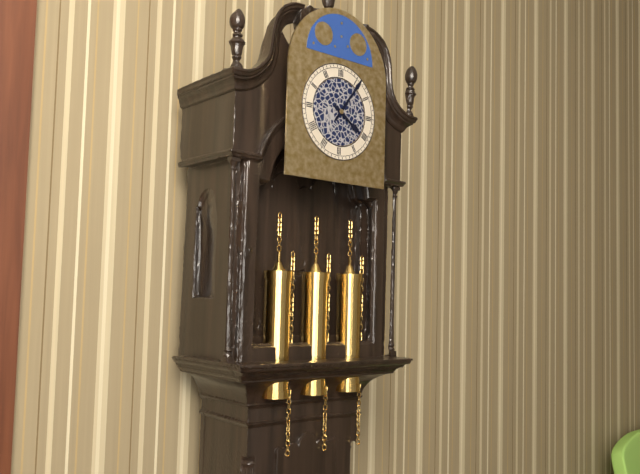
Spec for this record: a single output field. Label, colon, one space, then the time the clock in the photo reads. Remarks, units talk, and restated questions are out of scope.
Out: 4:06
